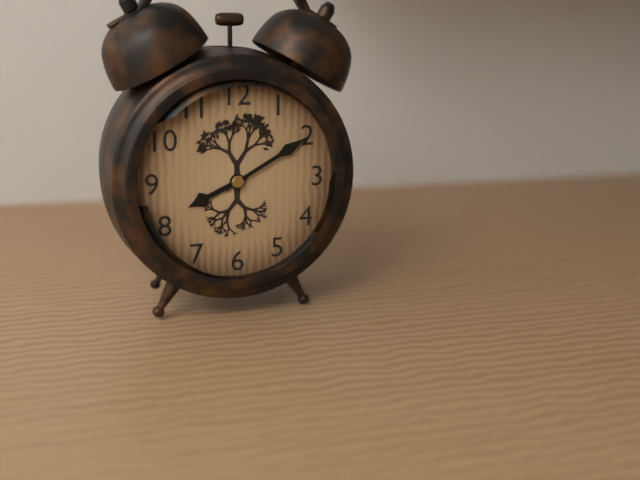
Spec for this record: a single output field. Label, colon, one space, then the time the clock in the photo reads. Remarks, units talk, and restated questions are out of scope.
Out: 8:10
